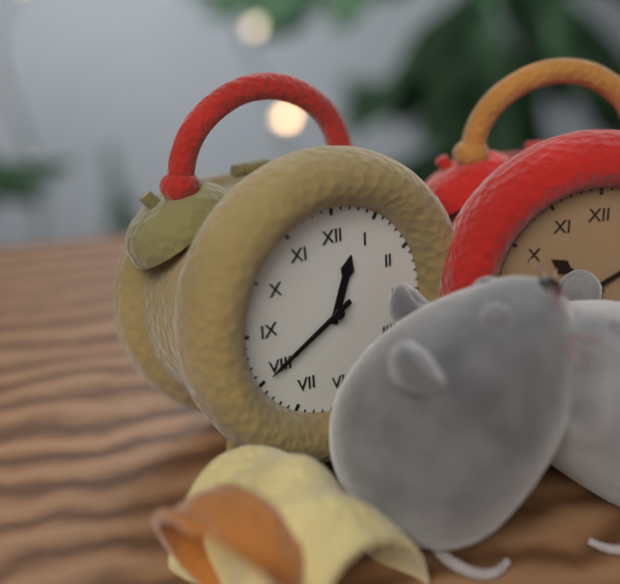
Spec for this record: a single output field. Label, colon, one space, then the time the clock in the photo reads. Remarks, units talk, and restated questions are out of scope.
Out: 12:40
